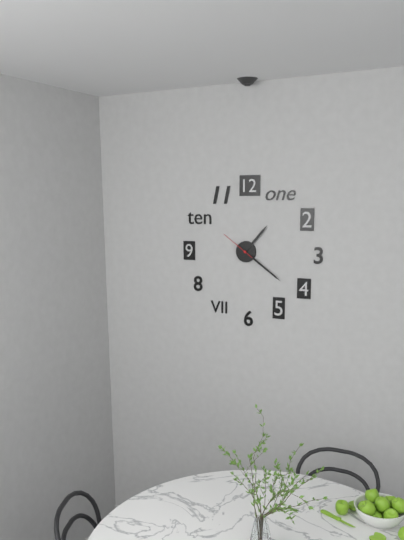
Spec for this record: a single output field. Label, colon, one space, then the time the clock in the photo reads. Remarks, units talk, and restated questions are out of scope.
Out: 1:21
